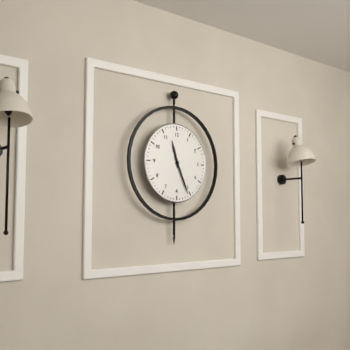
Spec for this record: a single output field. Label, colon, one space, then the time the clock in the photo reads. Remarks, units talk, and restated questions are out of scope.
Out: 11:26
